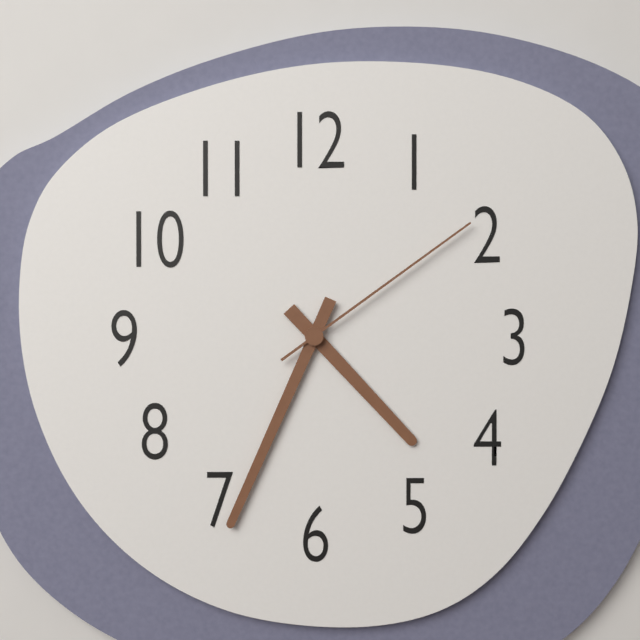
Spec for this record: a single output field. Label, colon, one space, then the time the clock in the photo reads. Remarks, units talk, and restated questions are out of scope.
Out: 4:34:09
